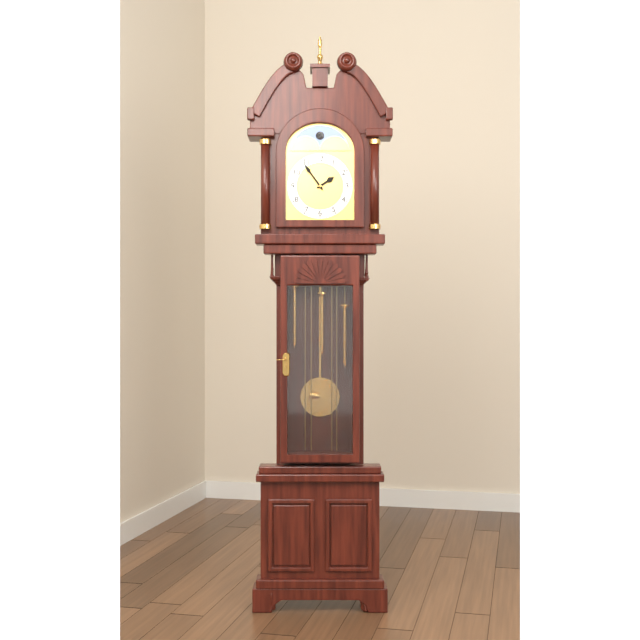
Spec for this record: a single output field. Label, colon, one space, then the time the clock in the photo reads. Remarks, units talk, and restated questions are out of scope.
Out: 1:54
